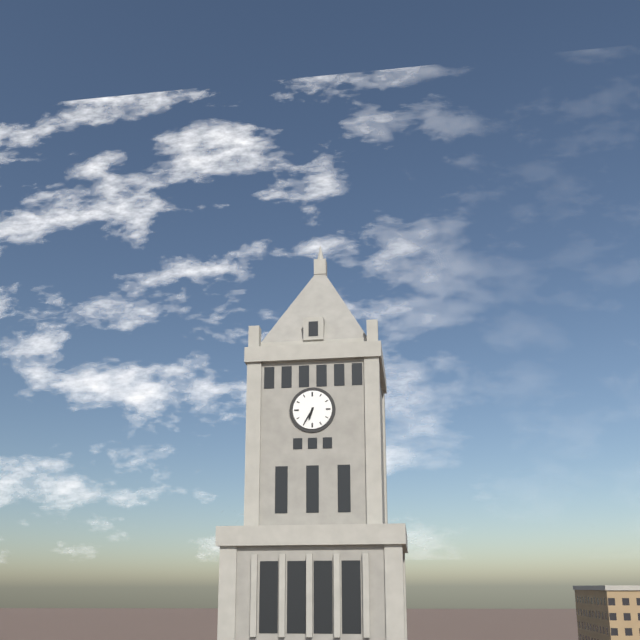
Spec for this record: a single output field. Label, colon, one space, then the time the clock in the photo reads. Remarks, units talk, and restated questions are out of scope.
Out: 6:35
